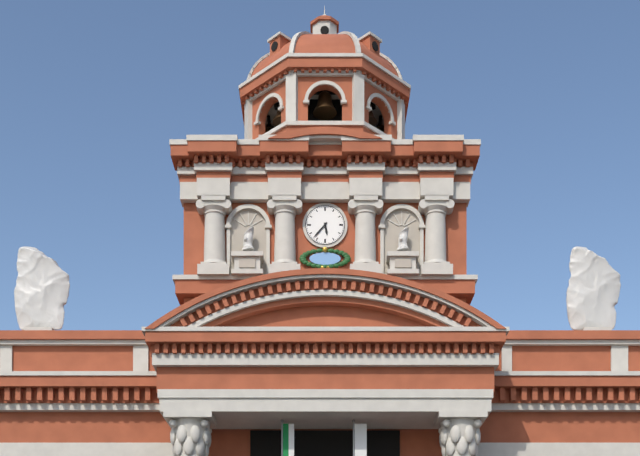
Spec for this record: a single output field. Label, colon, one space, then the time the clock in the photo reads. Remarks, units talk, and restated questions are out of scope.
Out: 5:37
